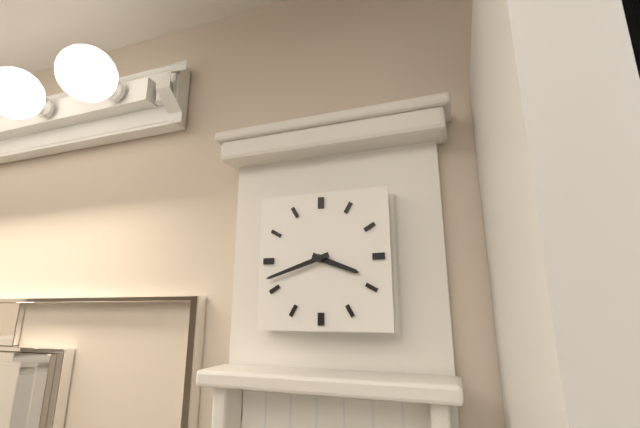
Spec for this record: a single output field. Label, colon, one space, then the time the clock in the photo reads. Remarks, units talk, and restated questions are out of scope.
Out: 3:42
